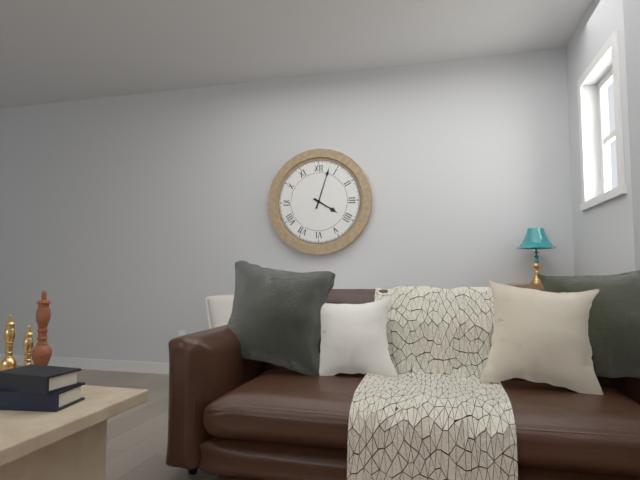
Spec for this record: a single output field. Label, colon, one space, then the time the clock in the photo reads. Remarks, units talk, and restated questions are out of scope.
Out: 4:03
